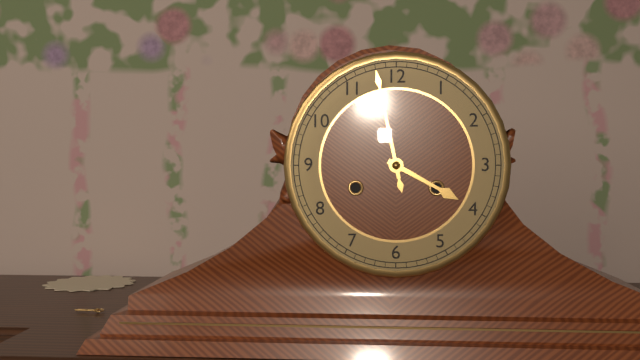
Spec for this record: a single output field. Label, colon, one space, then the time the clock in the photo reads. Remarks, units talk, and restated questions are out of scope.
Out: 3:58
